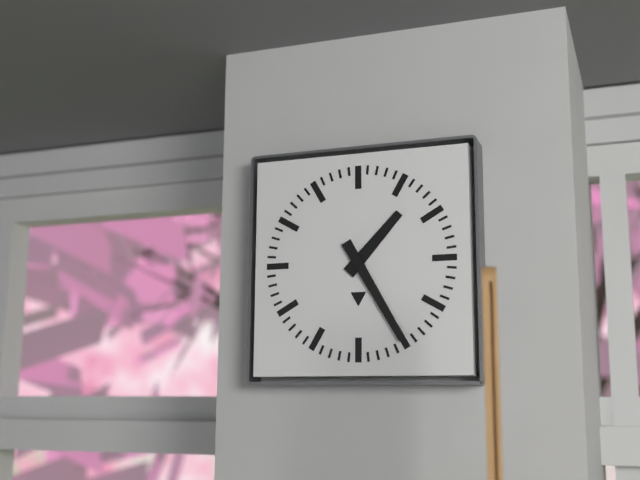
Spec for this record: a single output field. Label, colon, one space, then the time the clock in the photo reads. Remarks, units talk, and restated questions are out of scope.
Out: 1:25
